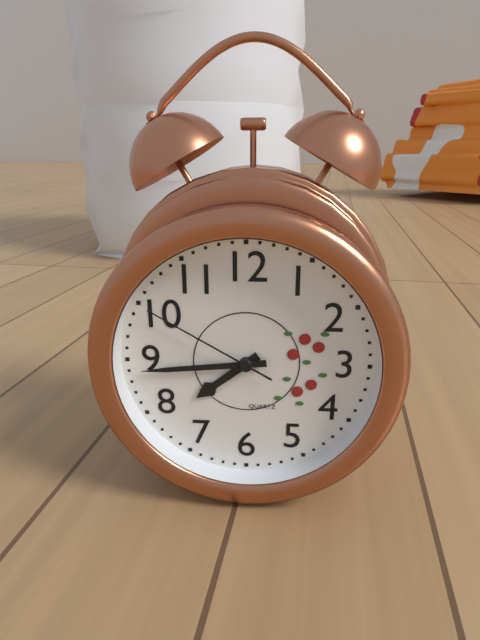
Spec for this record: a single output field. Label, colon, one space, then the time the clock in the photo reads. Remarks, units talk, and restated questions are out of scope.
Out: 7:44:50
